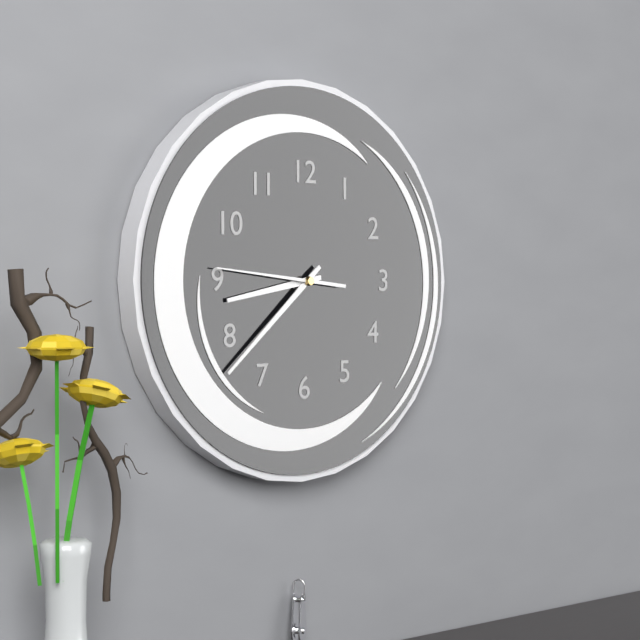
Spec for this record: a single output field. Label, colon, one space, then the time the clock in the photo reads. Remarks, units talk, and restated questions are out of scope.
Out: 8:38:46
